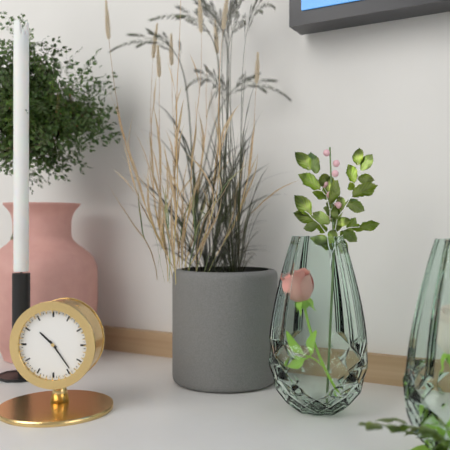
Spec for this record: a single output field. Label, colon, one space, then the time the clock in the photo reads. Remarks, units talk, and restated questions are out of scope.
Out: 10:24
